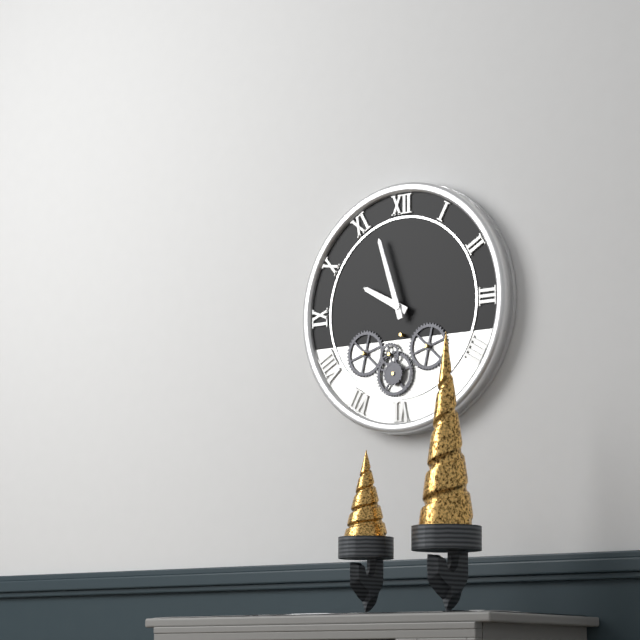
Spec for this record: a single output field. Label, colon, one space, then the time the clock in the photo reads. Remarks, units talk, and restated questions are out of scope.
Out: 9:57
